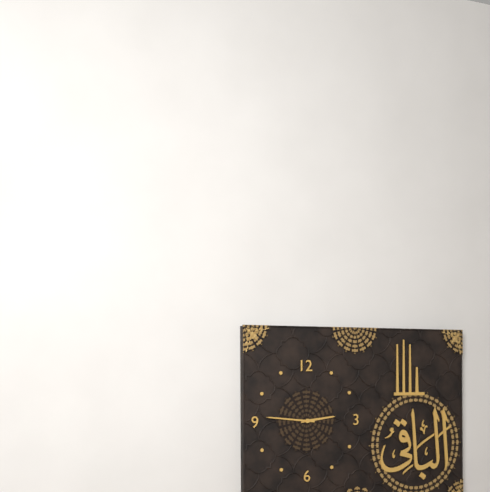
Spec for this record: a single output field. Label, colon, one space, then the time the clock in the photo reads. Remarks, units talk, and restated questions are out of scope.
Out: 2:46
